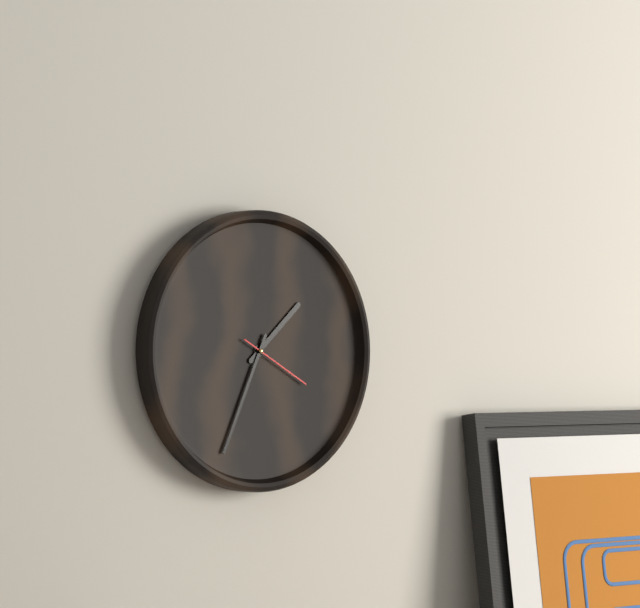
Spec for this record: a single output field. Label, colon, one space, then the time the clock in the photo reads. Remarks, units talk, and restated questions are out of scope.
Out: 1:34:20
